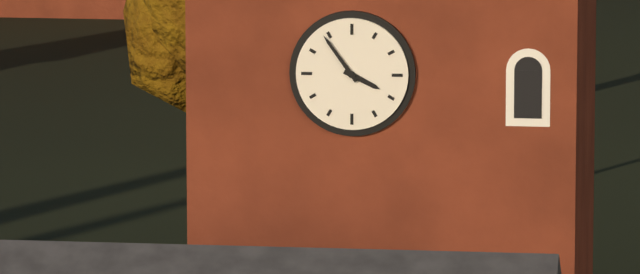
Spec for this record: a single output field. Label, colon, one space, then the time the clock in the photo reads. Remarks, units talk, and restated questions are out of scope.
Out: 3:54
